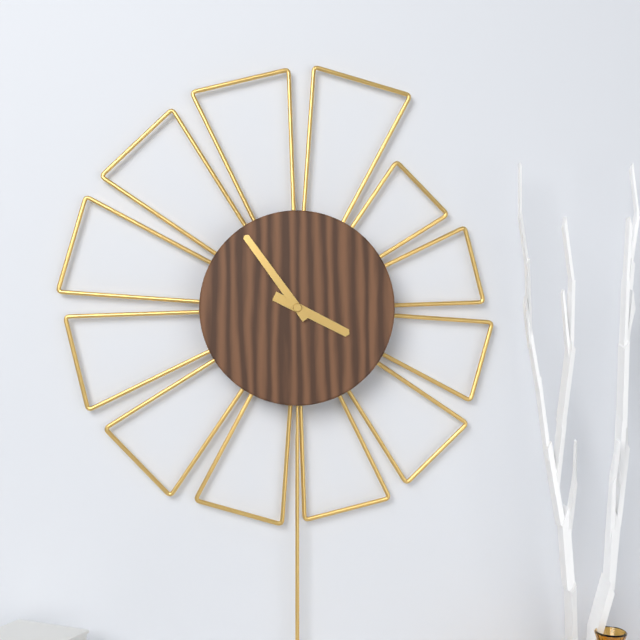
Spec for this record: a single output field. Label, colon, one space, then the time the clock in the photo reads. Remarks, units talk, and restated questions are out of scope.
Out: 3:54
